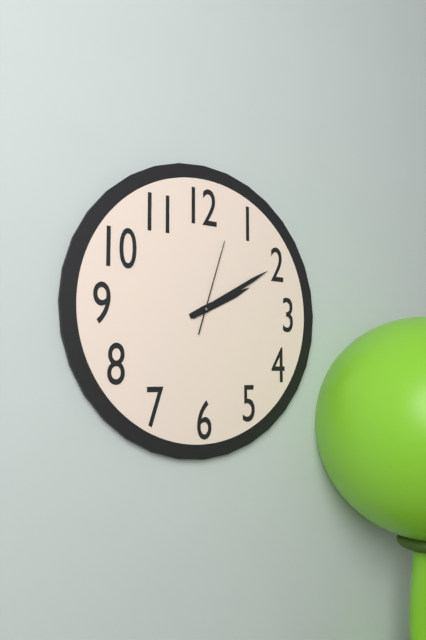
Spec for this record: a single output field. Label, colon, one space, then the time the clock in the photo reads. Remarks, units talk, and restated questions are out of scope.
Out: 2:10:03
